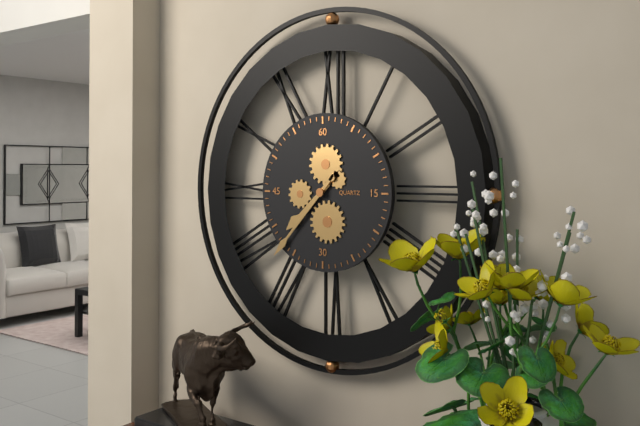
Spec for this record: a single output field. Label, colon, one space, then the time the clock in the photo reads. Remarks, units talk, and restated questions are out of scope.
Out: 7:37
